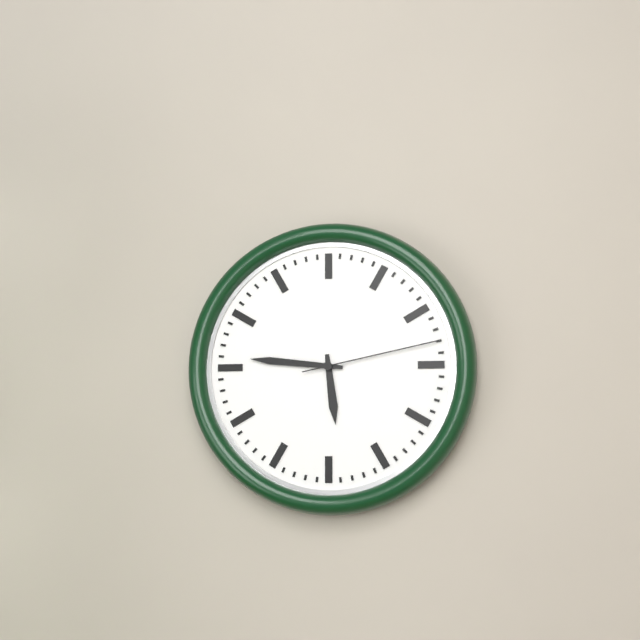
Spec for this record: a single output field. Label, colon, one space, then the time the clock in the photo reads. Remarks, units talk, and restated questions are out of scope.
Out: 5:46:13
